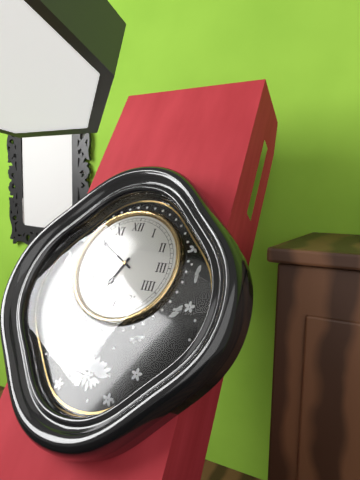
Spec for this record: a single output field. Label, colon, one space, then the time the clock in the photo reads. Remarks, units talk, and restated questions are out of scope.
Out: 6:50
